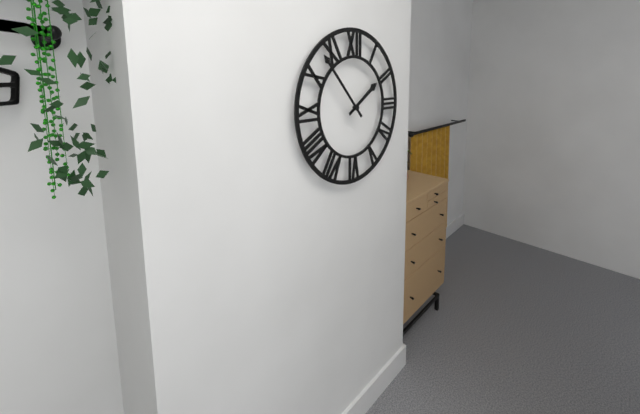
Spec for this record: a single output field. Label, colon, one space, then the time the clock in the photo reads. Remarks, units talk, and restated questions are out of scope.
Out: 1:53
